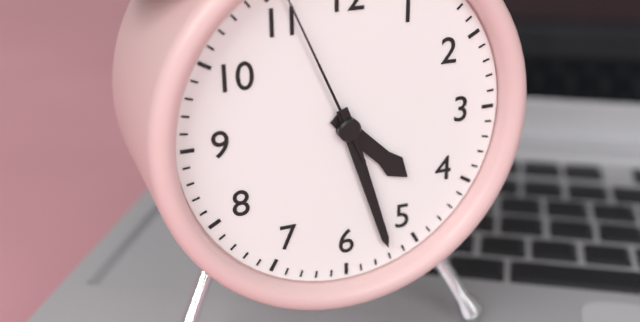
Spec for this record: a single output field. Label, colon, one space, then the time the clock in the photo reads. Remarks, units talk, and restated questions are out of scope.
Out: 4:27
